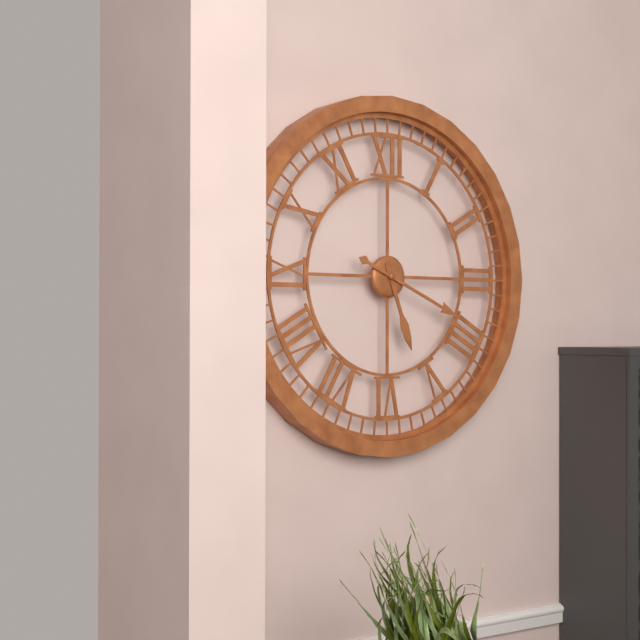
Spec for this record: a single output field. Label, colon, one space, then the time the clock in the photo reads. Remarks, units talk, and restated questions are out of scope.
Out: 5:19
